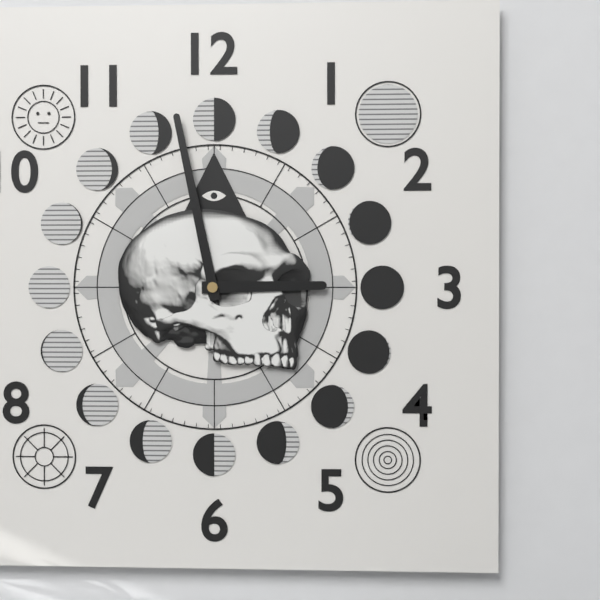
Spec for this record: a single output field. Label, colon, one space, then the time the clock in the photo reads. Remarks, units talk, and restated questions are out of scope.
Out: 2:58
